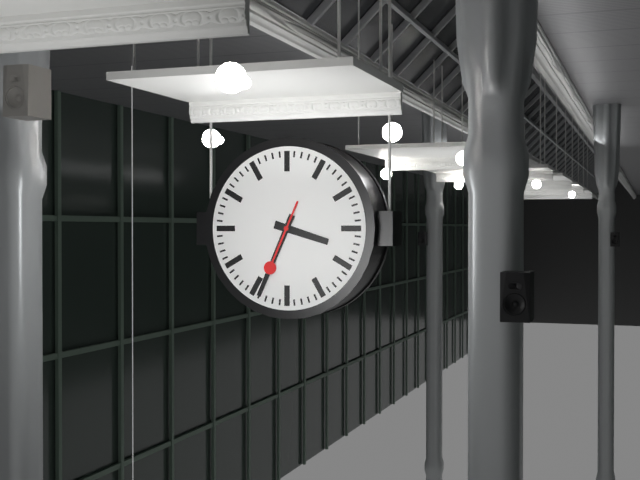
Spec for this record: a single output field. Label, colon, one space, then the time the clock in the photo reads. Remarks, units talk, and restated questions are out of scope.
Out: 3:34:34
